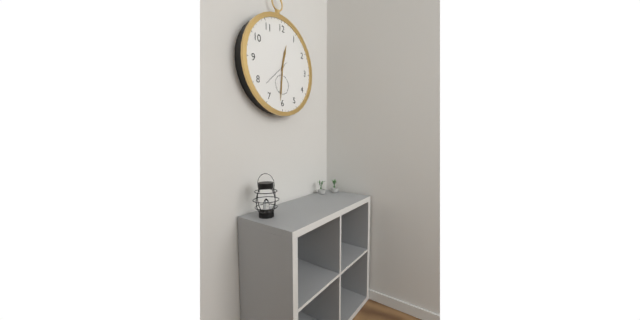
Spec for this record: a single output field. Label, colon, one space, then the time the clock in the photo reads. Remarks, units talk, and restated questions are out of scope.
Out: 12:31
